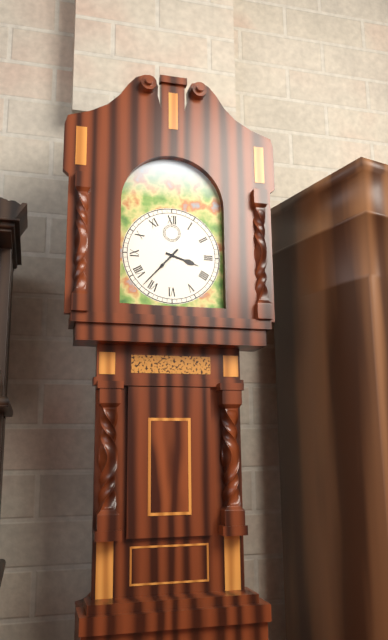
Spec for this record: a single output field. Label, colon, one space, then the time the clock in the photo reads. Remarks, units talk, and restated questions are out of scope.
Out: 3:37
